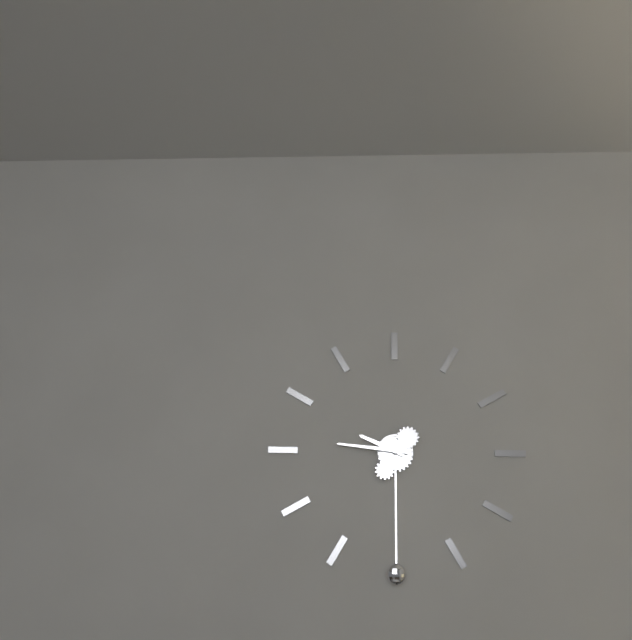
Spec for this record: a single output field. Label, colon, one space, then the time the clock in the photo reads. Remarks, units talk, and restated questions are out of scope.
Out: 9:46
